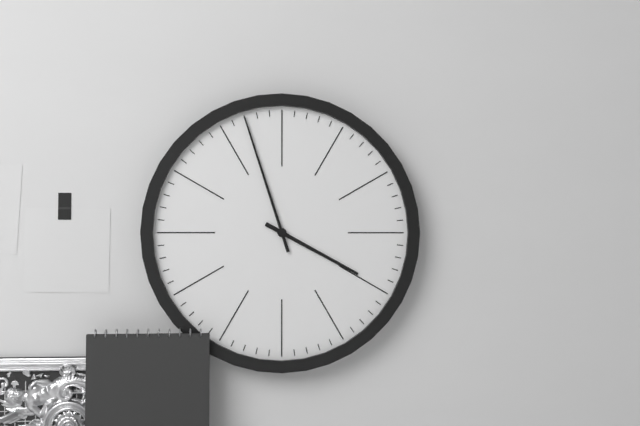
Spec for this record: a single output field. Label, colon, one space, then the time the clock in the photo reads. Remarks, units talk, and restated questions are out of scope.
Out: 3:57
